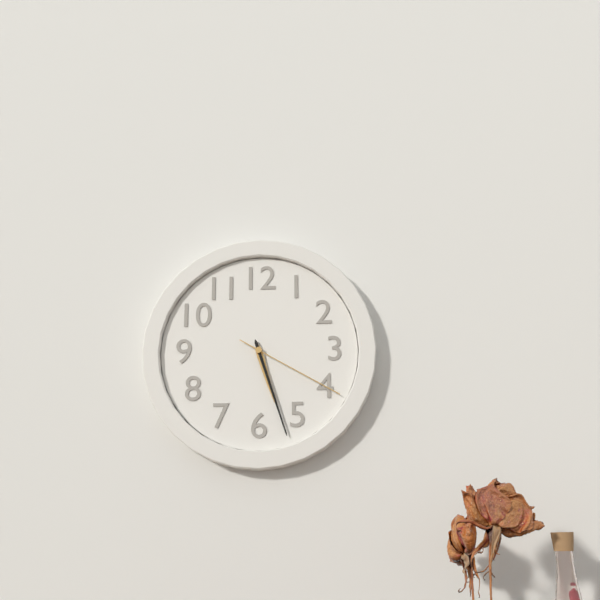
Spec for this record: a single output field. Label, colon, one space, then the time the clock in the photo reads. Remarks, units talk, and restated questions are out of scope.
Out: 5:27:20
